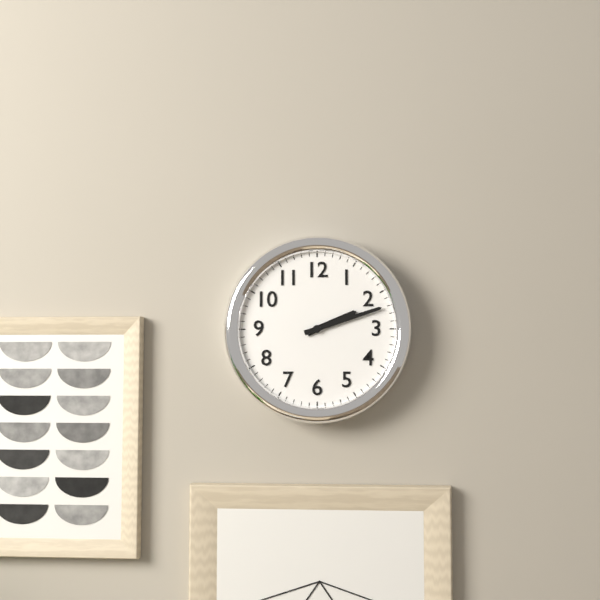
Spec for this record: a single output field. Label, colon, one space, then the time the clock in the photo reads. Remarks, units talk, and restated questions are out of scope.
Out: 2:12
